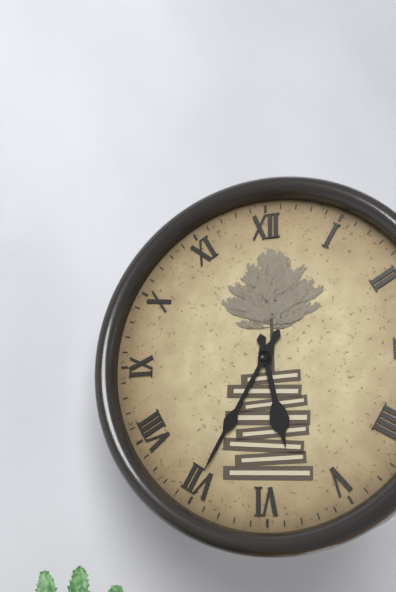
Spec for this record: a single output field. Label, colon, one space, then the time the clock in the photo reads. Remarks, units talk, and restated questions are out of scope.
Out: 5:35
